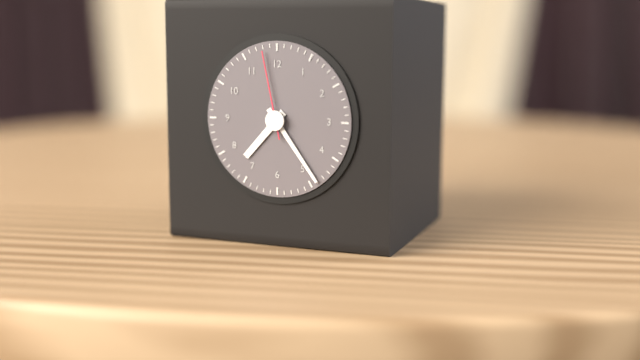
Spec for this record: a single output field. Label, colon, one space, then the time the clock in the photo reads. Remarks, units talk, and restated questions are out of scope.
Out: 7:24:58
